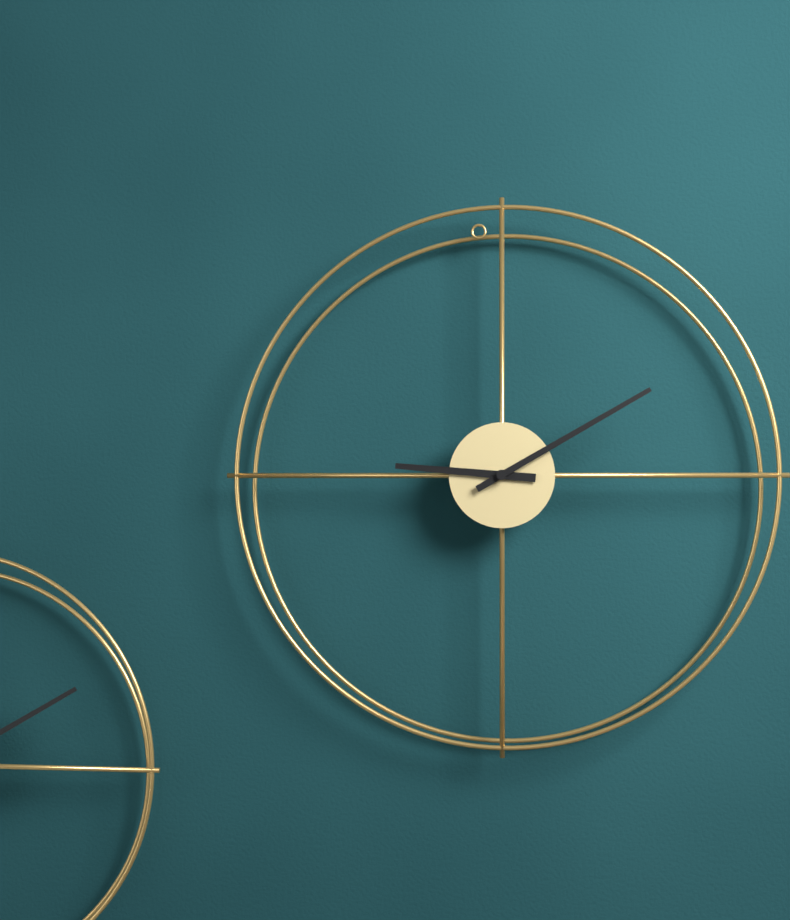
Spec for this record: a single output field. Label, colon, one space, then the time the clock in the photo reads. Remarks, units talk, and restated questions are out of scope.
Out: 9:10
